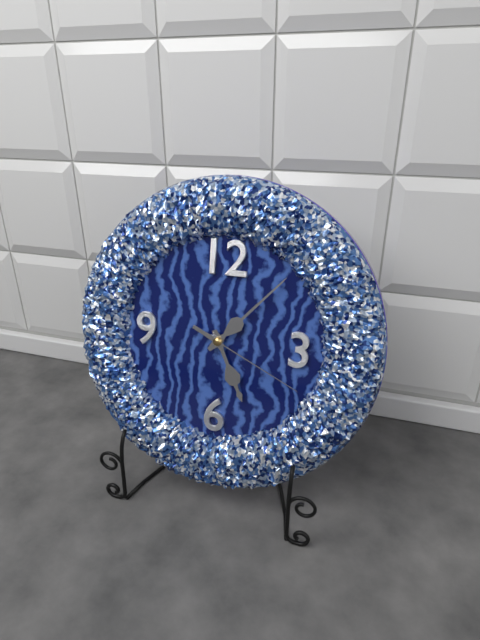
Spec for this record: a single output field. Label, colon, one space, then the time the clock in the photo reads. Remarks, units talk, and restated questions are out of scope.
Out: 5:07:19
